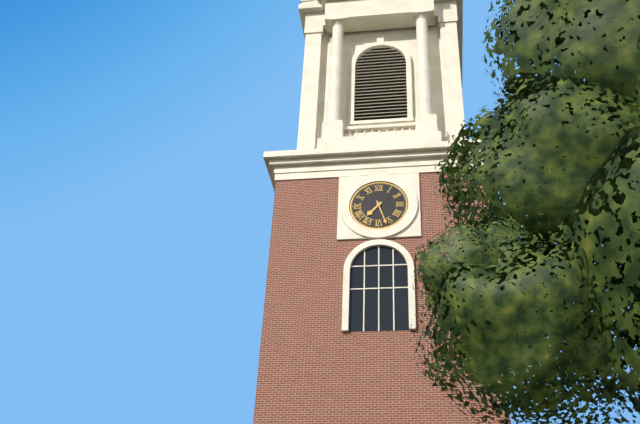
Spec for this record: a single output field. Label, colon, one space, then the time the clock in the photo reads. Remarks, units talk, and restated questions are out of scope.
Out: 7:27
